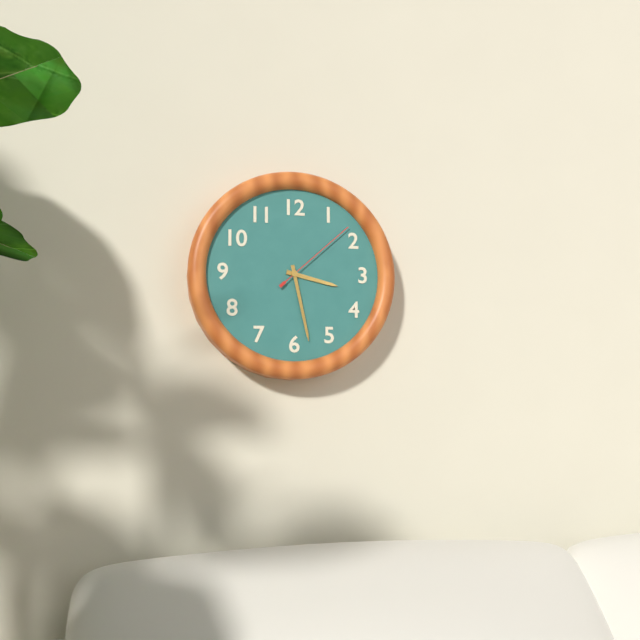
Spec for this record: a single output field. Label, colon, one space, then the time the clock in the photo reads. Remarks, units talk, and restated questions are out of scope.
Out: 3:28:08
